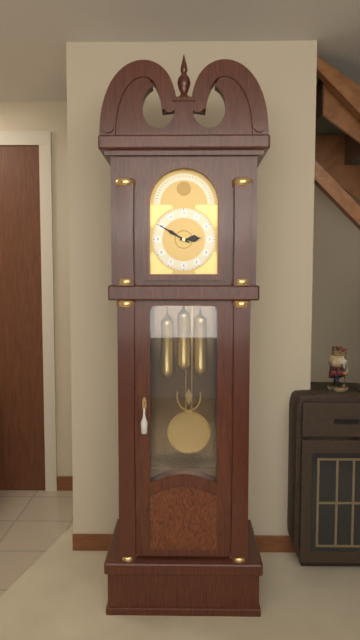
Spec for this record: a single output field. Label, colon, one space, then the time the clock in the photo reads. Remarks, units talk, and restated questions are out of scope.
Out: 2:50
